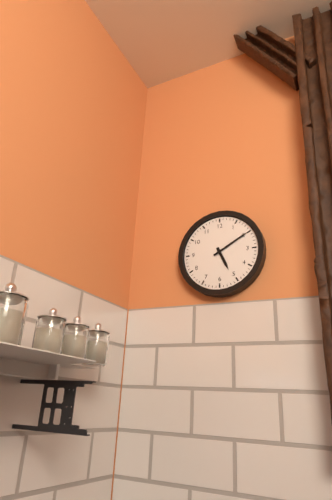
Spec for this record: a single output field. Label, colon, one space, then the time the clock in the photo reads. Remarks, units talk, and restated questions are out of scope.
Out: 5:10
